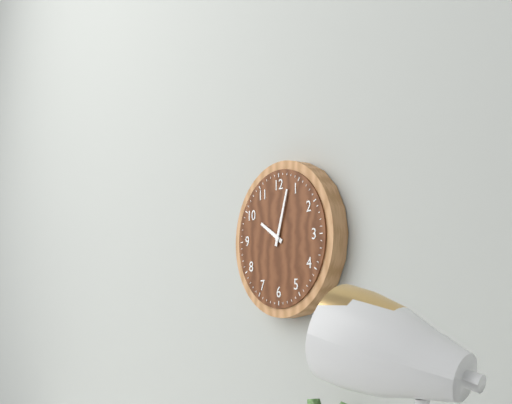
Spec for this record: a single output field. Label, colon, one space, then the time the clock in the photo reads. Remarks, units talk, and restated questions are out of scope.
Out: 10:03
